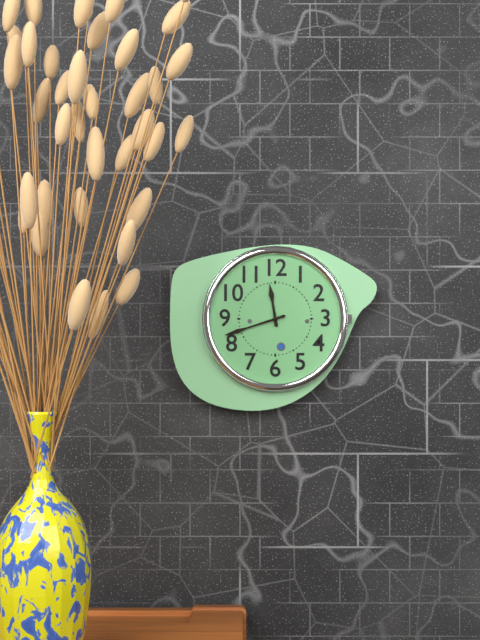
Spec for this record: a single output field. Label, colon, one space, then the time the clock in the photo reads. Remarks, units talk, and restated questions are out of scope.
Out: 11:42
